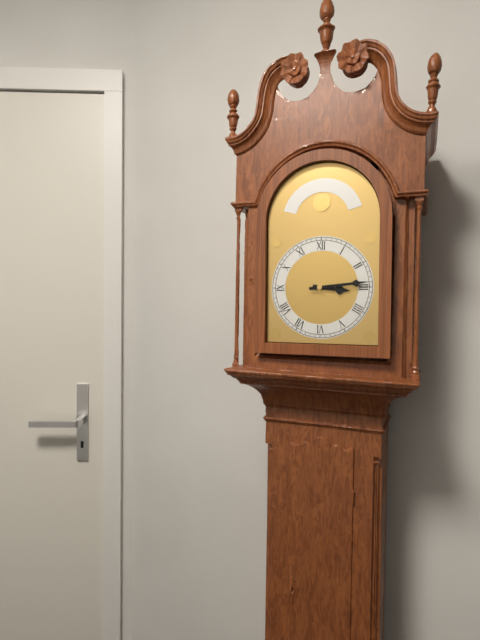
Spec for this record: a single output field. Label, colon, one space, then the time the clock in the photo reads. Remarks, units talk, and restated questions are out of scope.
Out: 3:14
